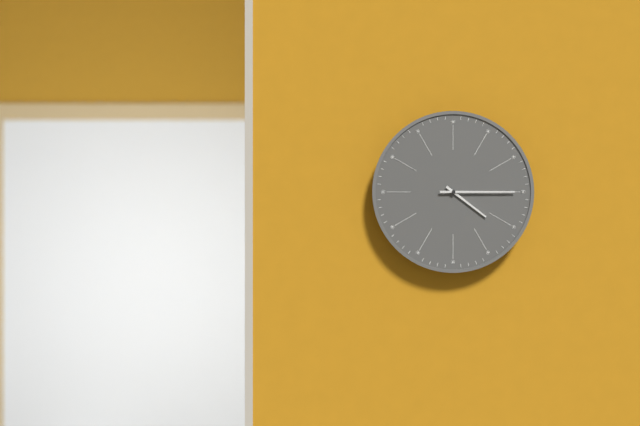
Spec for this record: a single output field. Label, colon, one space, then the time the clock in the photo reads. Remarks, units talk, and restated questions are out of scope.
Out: 4:15
